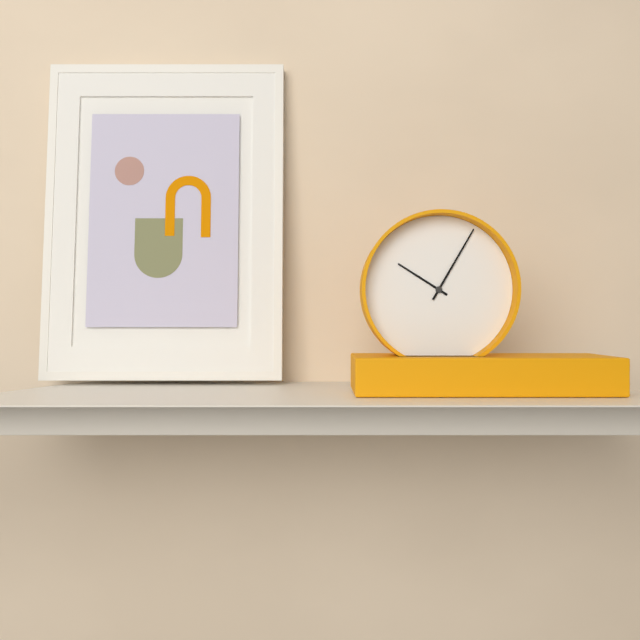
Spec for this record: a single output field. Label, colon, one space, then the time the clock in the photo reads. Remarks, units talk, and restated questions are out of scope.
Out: 10:05
